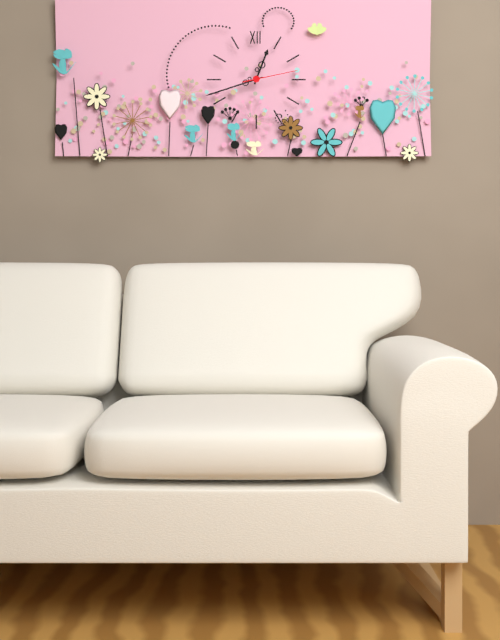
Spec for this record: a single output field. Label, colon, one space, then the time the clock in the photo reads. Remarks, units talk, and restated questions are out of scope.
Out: 12:42:13
